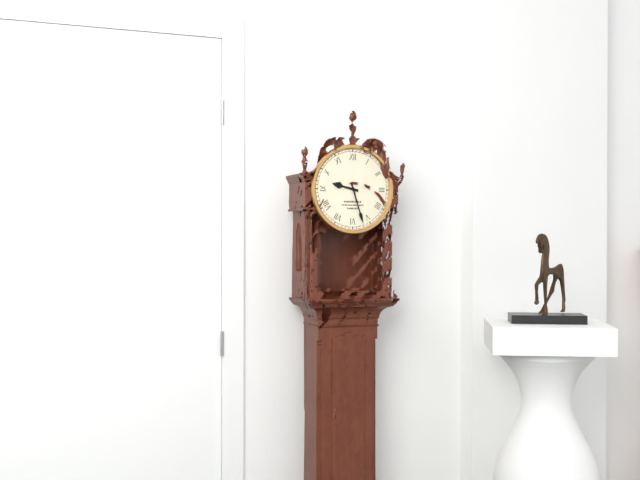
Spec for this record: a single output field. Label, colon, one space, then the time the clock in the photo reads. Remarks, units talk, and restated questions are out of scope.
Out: 9:27
